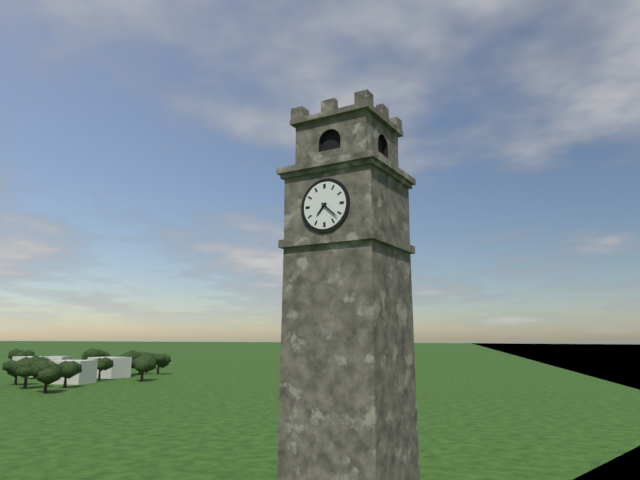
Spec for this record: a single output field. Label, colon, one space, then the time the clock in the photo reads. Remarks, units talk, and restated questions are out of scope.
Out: 7:22
